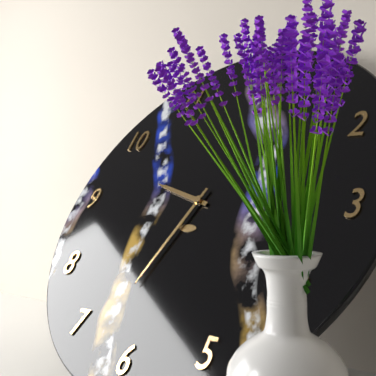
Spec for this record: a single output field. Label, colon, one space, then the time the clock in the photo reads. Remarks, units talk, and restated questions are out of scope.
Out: 9:33
